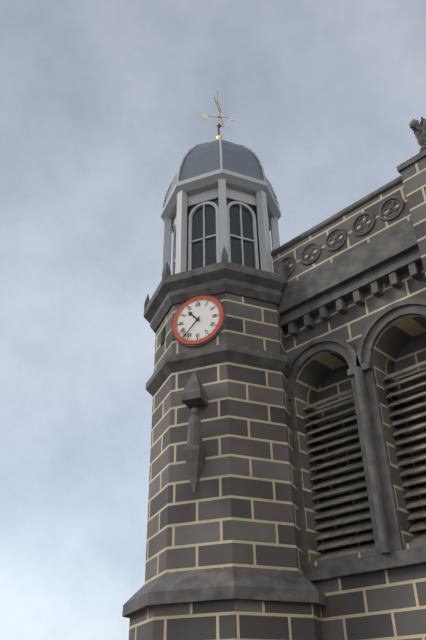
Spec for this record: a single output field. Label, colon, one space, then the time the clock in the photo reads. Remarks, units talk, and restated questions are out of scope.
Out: 10:37
